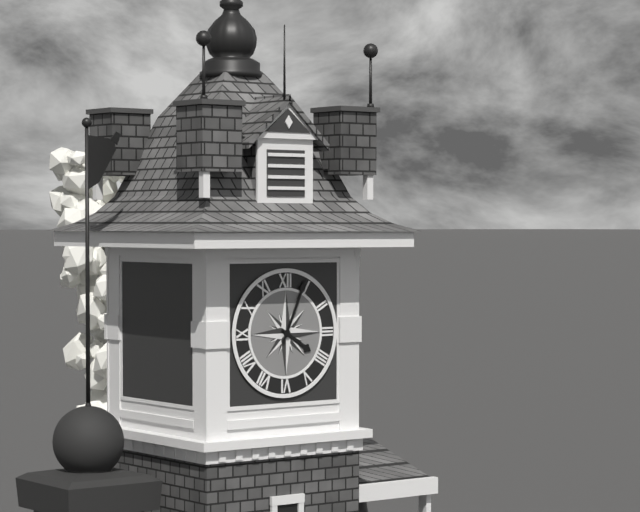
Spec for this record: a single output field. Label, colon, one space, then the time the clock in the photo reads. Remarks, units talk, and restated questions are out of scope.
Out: 4:04
